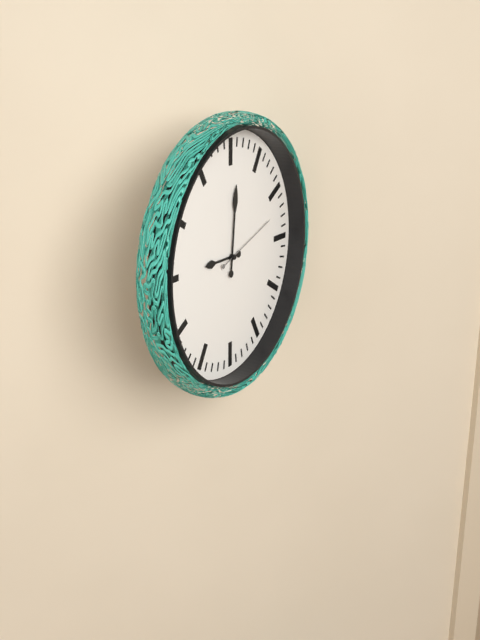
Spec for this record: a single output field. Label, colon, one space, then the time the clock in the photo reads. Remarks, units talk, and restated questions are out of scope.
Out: 9:01:12
